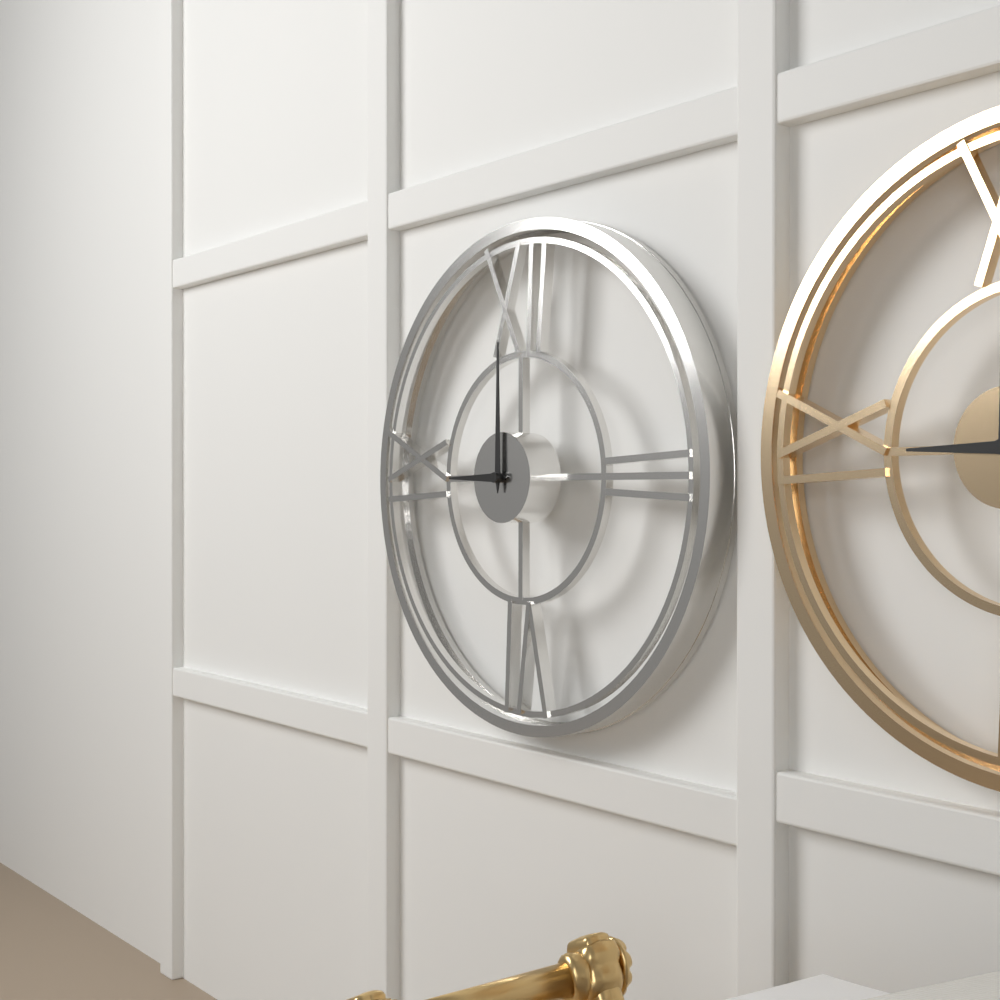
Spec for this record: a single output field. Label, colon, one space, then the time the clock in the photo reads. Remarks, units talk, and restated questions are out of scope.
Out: 9:00
